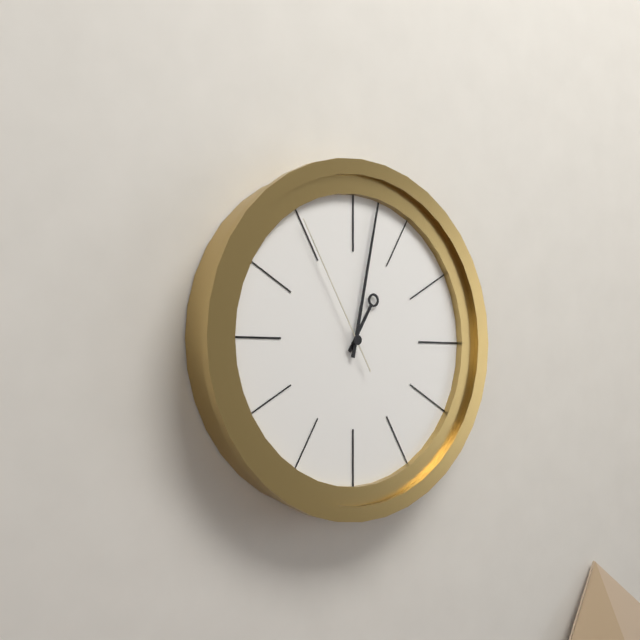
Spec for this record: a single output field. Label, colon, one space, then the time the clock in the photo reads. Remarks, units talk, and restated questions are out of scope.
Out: 1:02:55
